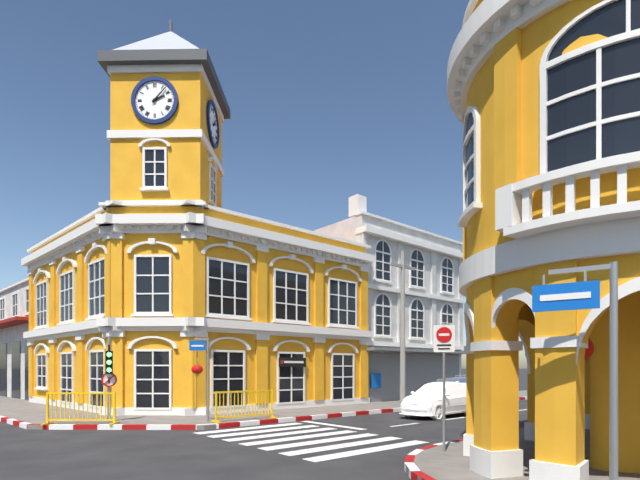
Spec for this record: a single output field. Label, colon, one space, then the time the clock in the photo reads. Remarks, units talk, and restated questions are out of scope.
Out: 2:07
